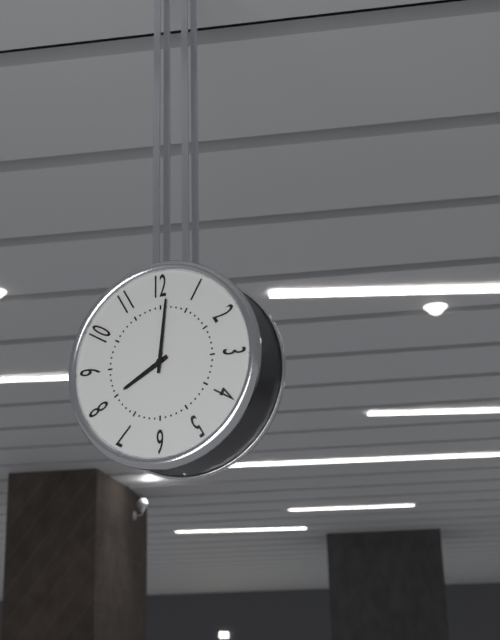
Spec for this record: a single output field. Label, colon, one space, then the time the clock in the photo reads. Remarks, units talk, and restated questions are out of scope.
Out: 8:01
